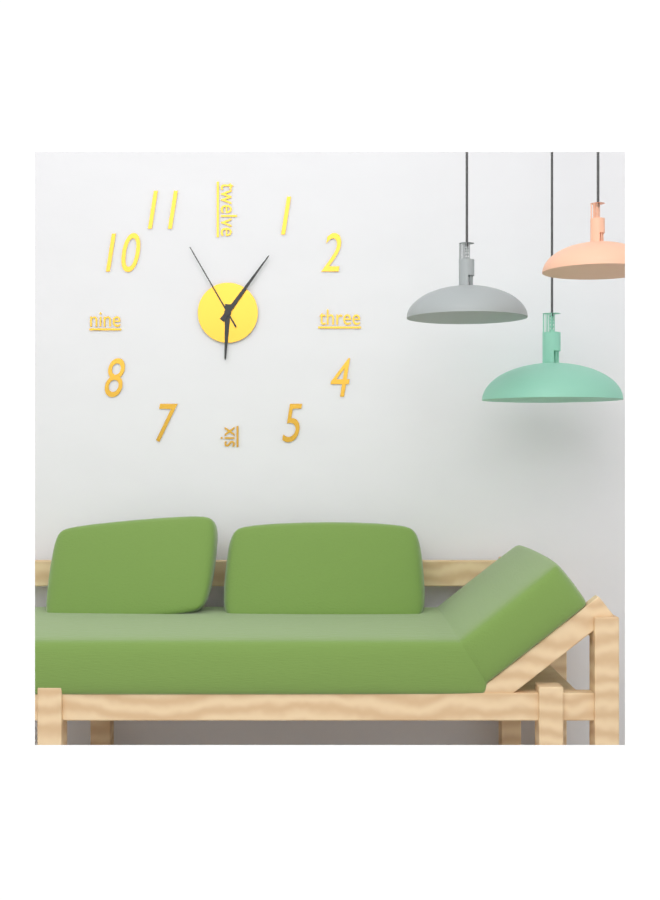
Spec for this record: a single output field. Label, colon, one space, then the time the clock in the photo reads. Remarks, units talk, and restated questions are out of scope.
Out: 6:06:55
